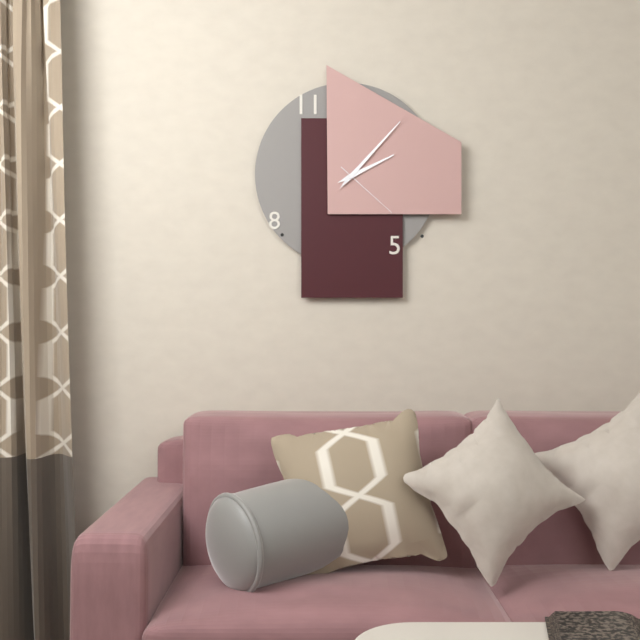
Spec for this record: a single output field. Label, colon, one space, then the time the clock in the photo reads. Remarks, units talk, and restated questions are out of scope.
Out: 2:07:22
